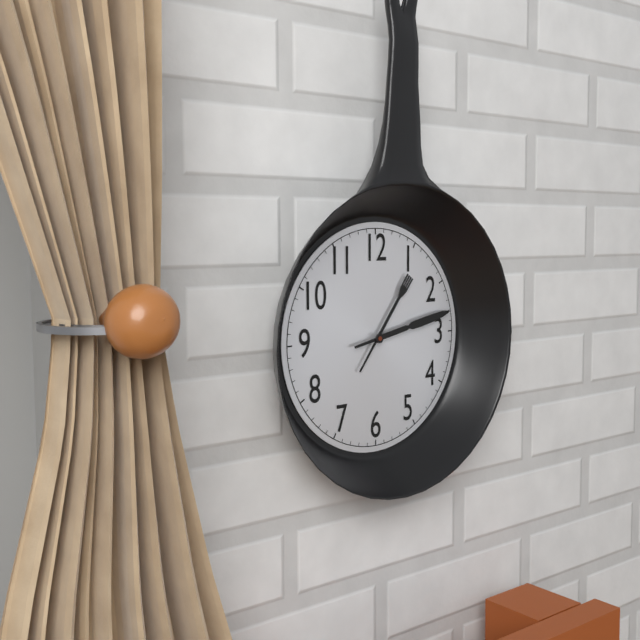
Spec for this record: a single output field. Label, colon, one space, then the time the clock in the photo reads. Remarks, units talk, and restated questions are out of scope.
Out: 1:13
